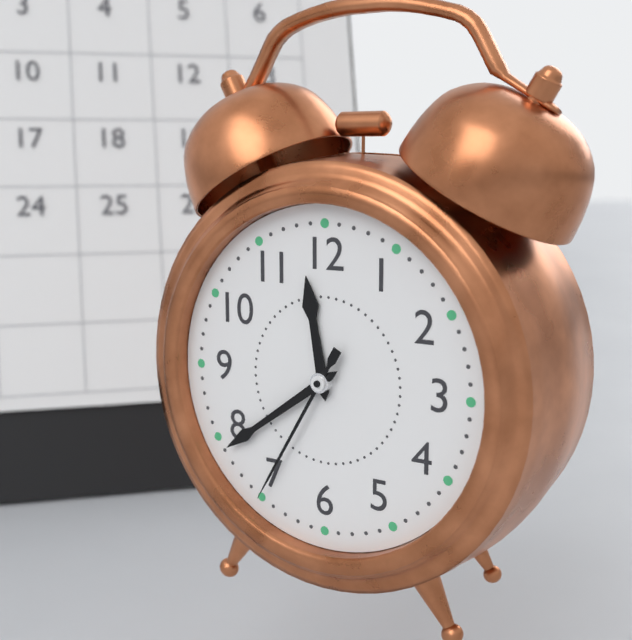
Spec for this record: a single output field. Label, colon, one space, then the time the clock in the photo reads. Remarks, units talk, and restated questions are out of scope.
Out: 11:39:35
